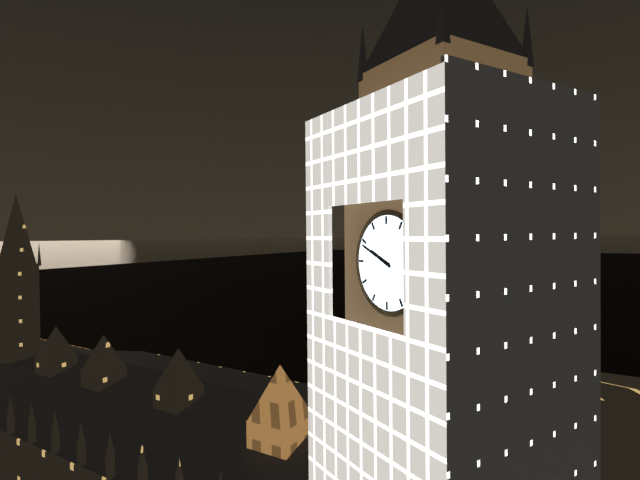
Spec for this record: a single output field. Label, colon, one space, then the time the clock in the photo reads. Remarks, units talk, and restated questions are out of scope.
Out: 9:49
